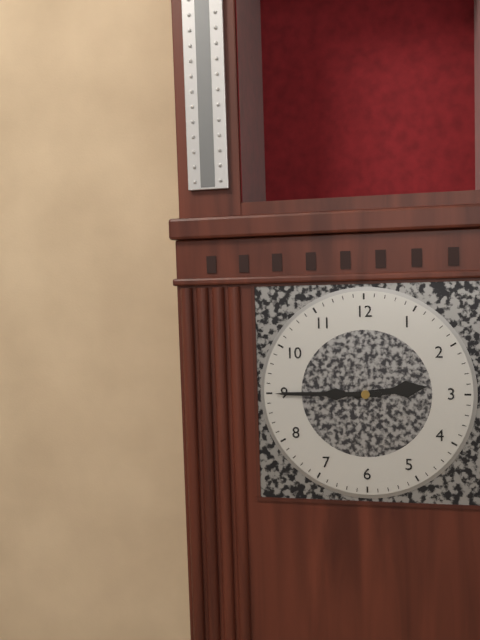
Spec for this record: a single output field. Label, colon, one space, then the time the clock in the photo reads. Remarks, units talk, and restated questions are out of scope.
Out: 2:45
